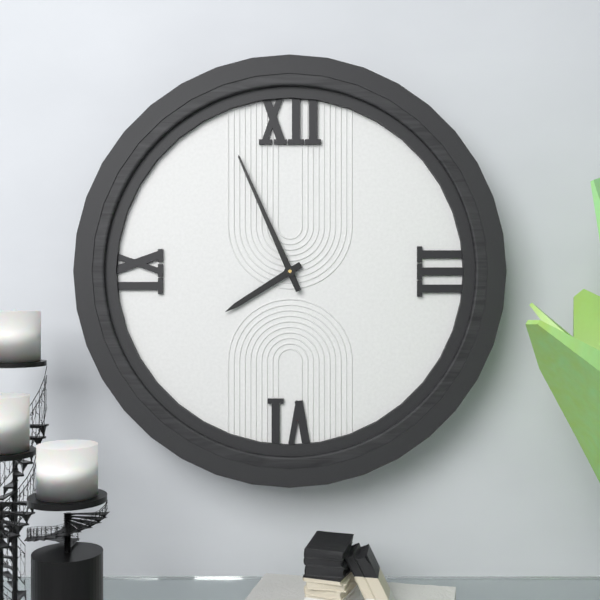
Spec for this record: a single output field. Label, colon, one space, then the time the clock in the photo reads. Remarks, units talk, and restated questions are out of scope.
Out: 7:56
